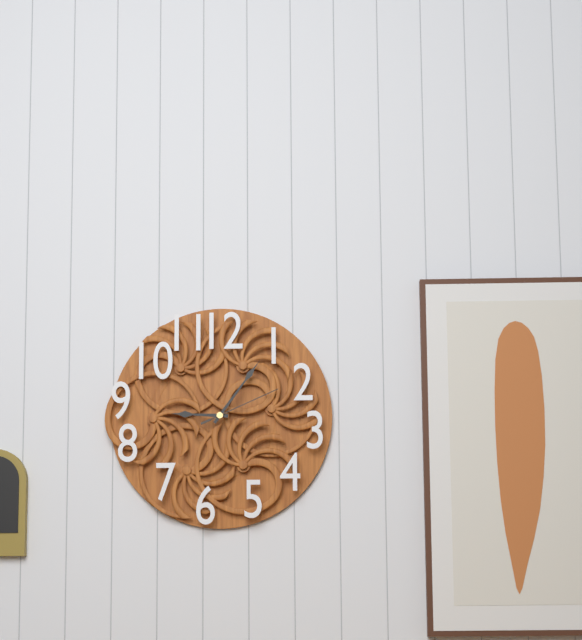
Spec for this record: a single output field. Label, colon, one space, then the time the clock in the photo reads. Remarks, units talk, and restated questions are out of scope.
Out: 9:06:11
